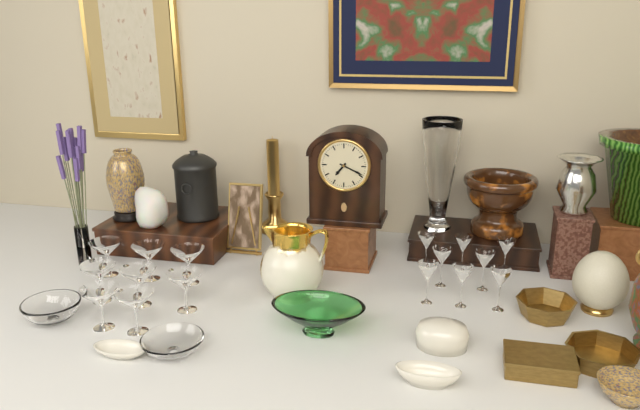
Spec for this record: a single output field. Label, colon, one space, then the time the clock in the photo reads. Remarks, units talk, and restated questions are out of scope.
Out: 7:19
